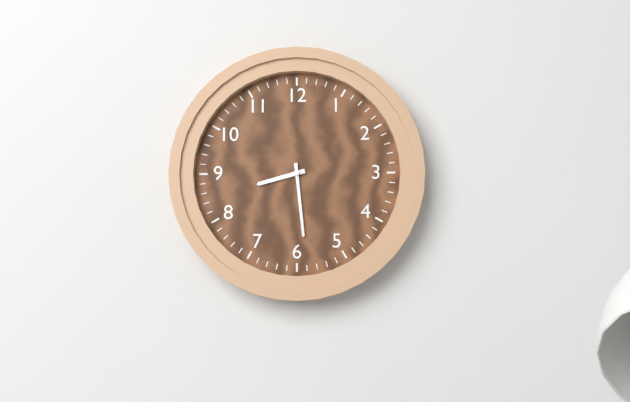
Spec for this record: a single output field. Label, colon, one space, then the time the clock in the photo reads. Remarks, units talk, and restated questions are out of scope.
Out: 8:29
